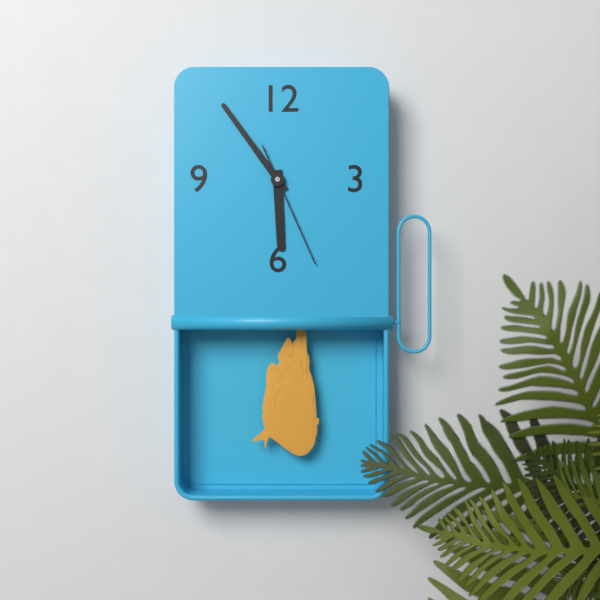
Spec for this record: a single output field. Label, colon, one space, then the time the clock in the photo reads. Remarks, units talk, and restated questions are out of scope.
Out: 5:54:26
